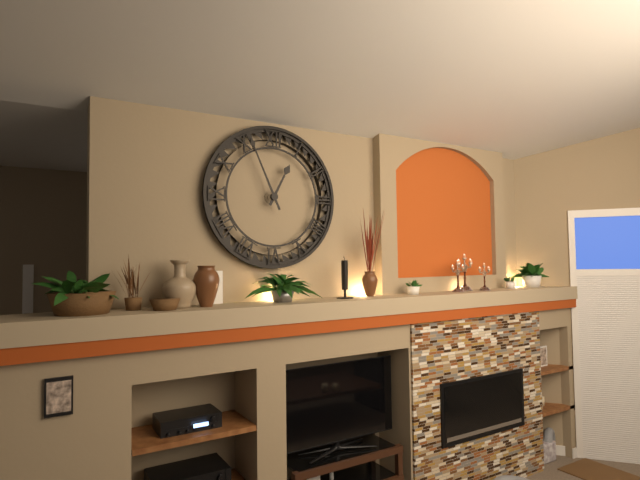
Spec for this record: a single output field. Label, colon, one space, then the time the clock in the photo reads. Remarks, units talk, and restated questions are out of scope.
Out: 12:56
